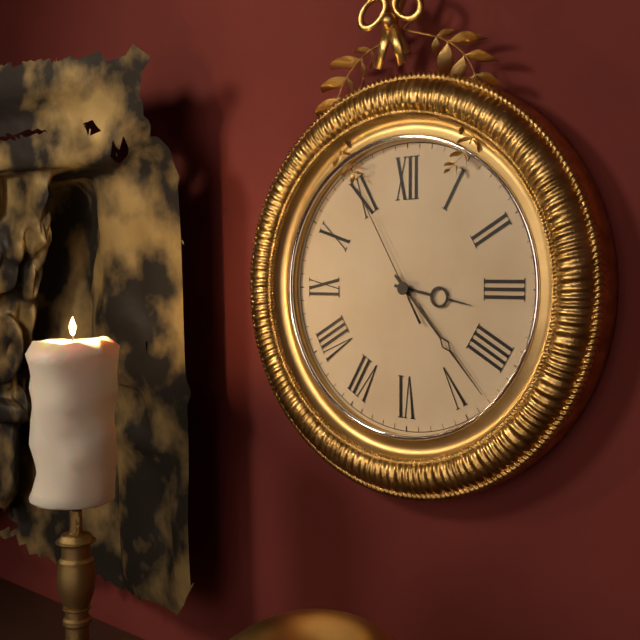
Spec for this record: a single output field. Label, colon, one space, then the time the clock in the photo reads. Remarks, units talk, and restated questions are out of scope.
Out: 3:23:55
